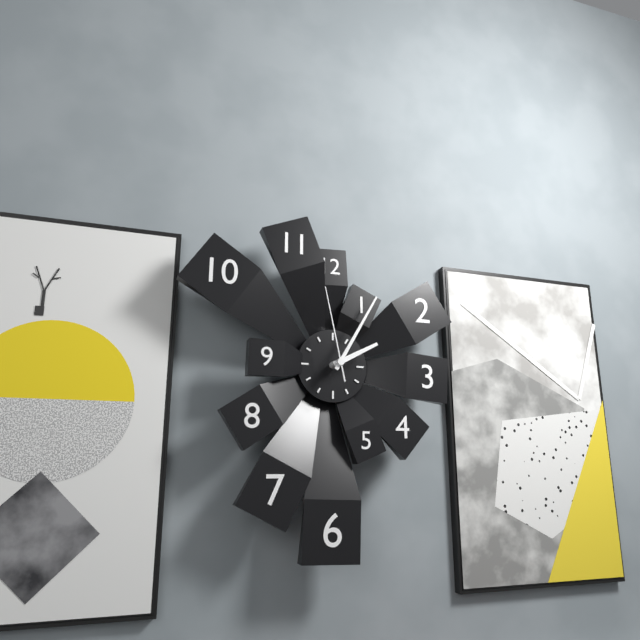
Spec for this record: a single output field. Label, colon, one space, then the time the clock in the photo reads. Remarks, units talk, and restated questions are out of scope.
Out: 2:05:58
